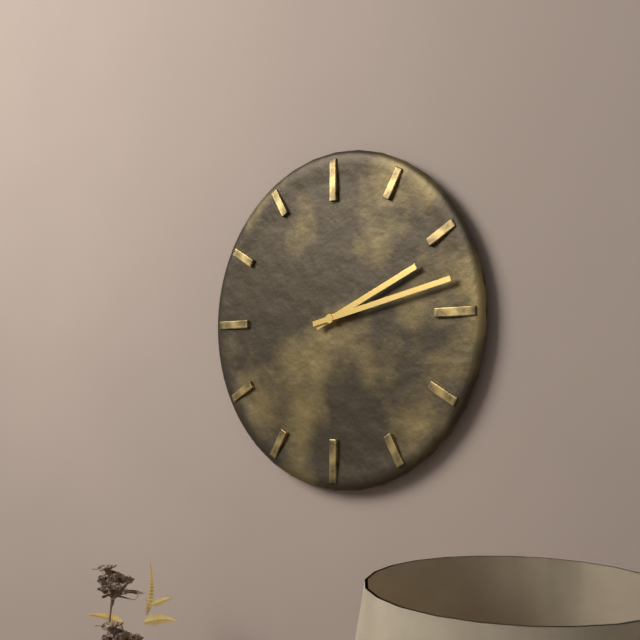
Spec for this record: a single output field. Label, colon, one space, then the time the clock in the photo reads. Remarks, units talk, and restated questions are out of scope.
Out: 2:13
